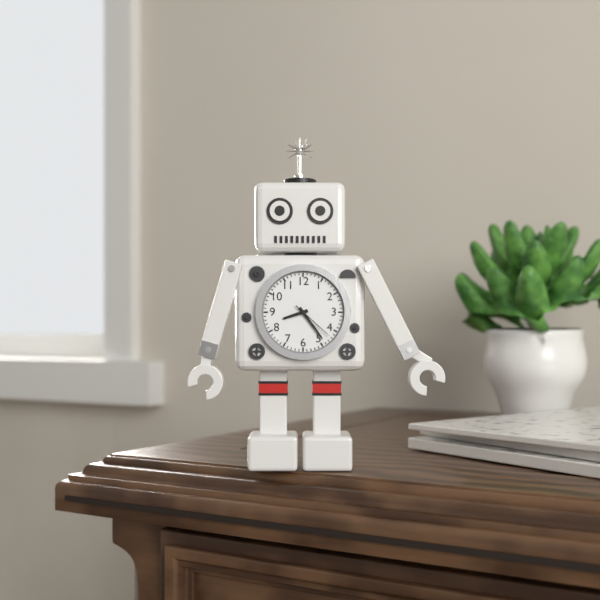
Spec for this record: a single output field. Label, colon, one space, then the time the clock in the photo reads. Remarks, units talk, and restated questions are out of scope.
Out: 8:24
